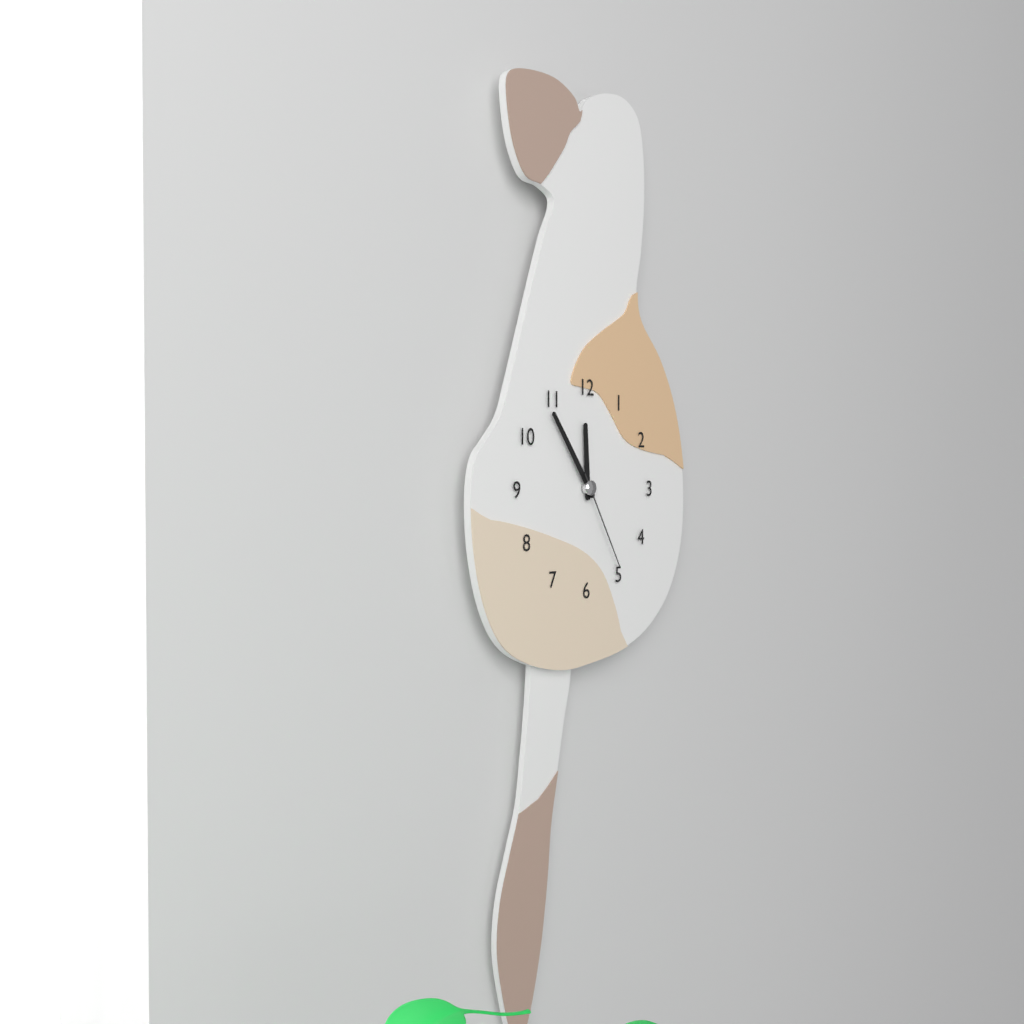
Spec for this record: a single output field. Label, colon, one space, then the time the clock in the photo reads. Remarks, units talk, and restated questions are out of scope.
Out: 11:54:25
